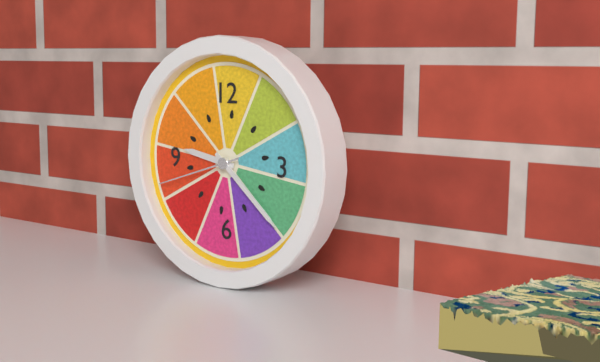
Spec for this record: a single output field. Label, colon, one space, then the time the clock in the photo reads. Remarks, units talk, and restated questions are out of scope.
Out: 9:22:42
